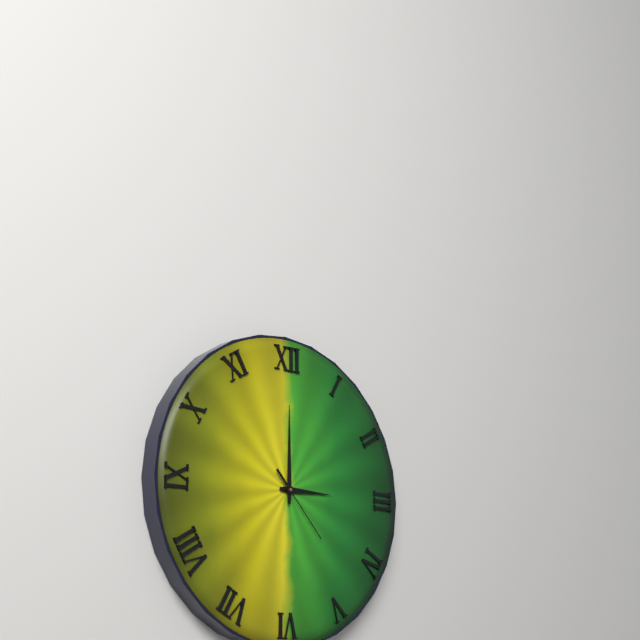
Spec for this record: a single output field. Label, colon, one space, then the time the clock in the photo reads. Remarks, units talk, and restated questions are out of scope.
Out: 3:00:23
